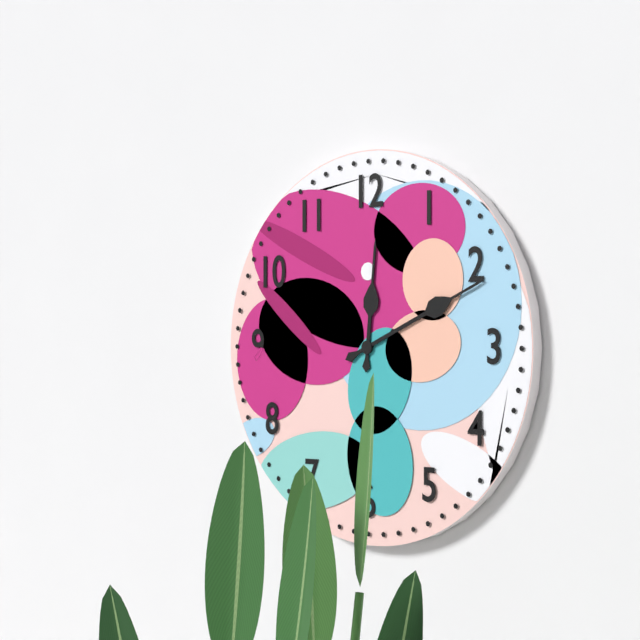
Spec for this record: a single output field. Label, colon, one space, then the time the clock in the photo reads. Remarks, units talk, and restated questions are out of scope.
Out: 12:11
